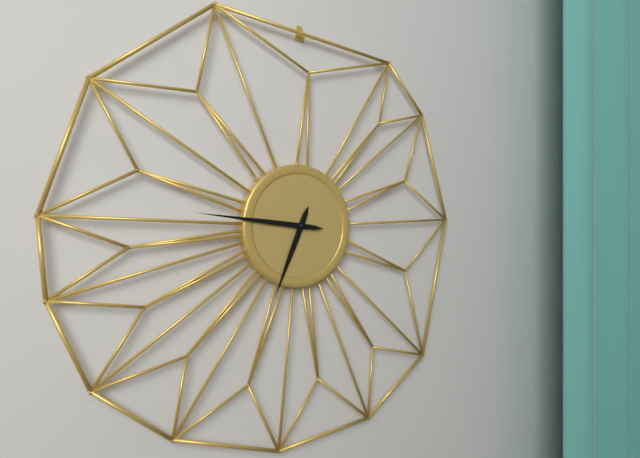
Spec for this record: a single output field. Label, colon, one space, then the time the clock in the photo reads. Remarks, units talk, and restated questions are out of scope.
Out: 6:46
